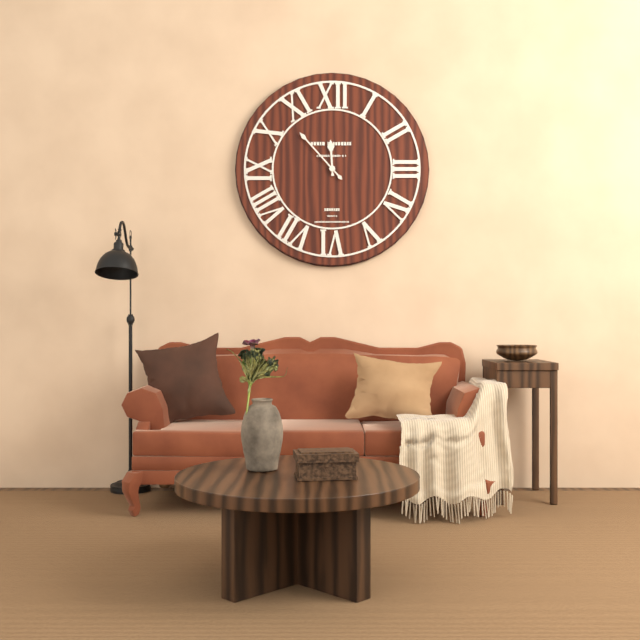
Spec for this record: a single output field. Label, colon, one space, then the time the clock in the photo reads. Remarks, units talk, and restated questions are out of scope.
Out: 11:53
